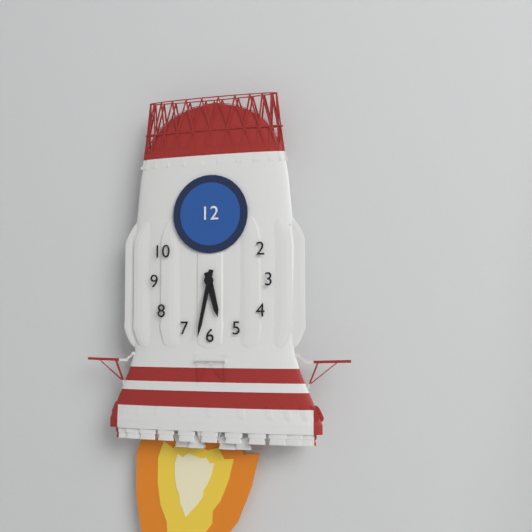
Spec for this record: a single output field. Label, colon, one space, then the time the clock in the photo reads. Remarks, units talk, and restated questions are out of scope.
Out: 5:32
